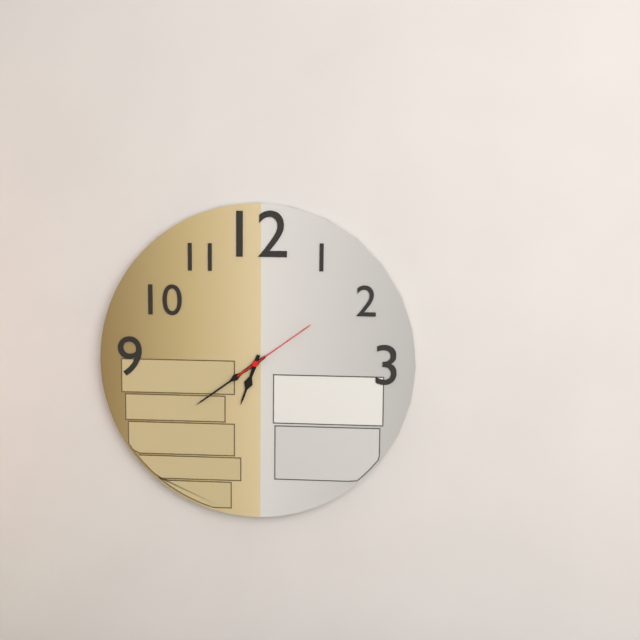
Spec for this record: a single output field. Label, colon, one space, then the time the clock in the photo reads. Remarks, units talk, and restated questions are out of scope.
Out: 6:39:09
